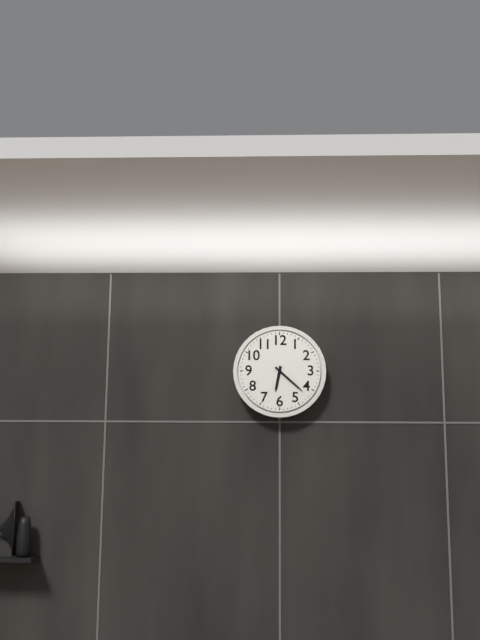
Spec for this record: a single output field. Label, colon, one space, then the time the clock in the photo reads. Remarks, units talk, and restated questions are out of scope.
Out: 6:22
